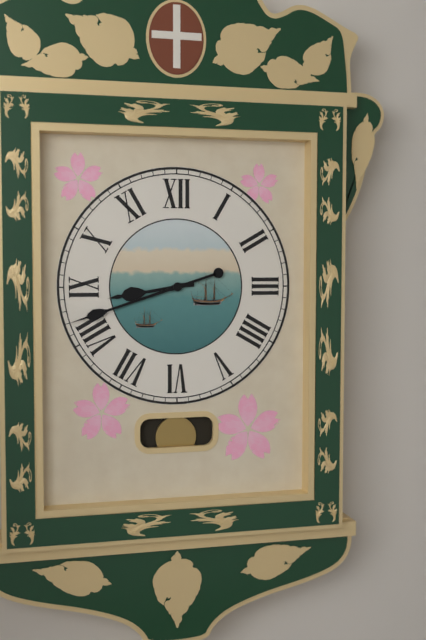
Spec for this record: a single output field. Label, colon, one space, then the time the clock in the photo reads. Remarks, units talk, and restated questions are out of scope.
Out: 8:42
